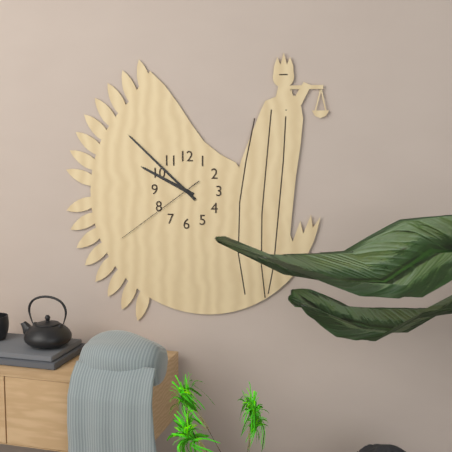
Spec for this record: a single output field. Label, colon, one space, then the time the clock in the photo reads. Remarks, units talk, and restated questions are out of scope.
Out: 9:52:39
